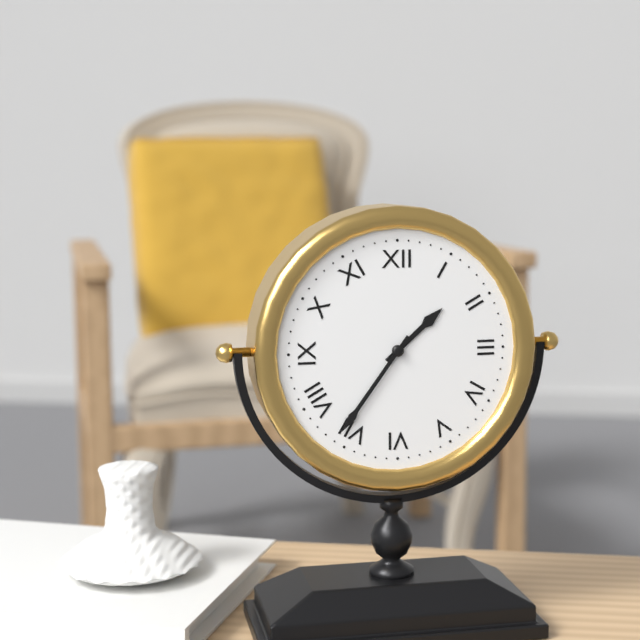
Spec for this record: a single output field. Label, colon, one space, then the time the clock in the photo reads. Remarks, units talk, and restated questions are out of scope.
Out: 1:36
